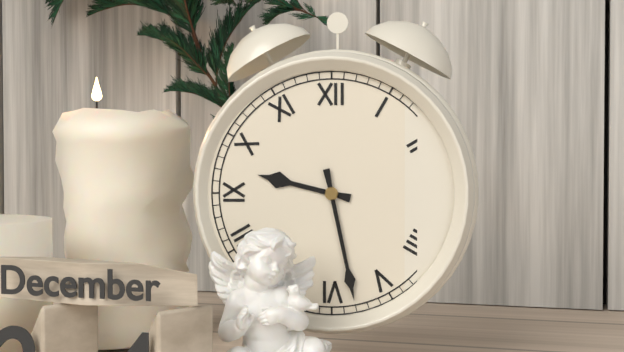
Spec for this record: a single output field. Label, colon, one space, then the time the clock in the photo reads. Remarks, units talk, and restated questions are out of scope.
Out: 9:28
